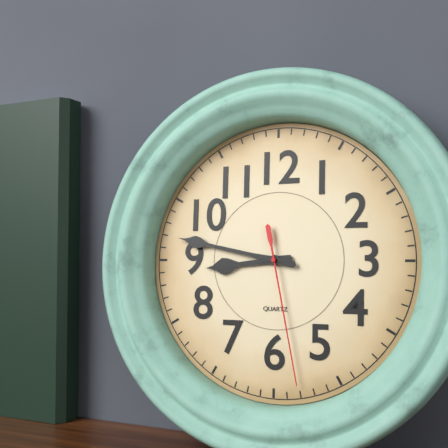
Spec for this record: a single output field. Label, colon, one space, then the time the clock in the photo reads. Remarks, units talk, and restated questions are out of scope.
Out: 8:47:28
